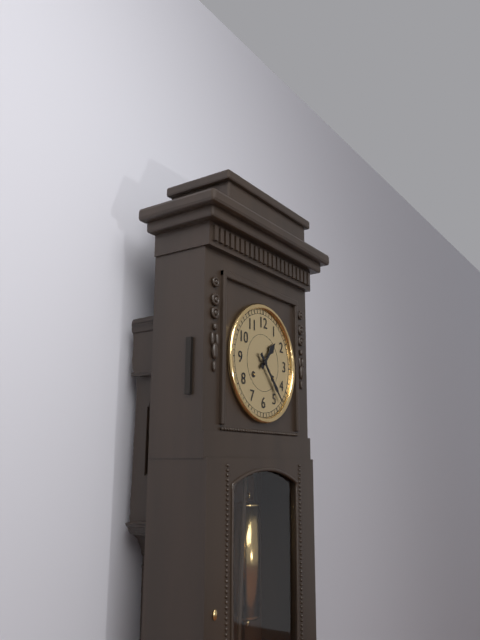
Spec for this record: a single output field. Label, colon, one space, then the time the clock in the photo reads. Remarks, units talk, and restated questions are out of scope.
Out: 1:23
